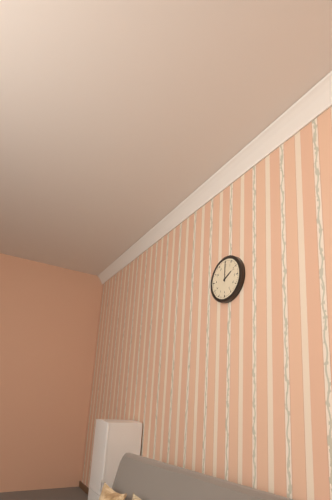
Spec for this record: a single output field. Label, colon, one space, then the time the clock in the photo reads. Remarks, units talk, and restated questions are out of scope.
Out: 2:00
